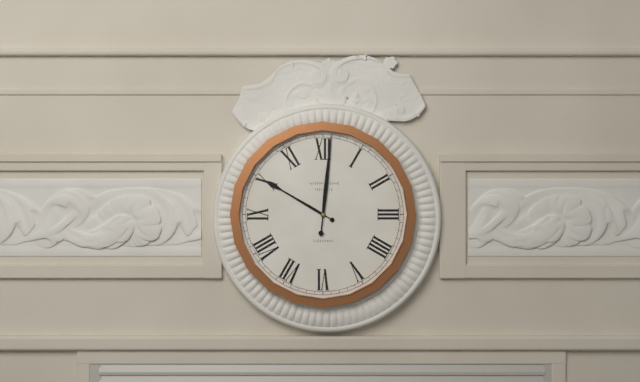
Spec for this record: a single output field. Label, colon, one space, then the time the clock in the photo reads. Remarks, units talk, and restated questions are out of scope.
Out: 10:01
